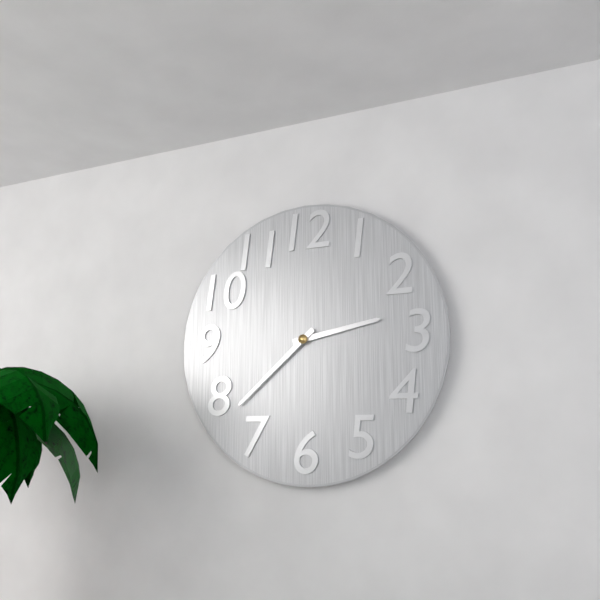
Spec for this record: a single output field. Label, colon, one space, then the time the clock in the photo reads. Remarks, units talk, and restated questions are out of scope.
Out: 2:38
